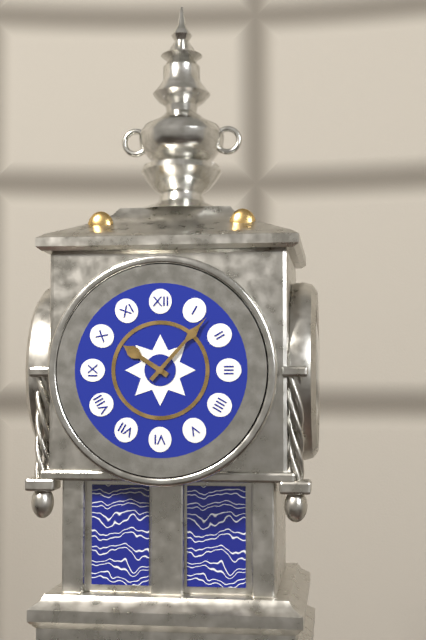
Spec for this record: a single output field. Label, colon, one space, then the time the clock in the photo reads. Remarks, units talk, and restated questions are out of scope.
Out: 10:07
